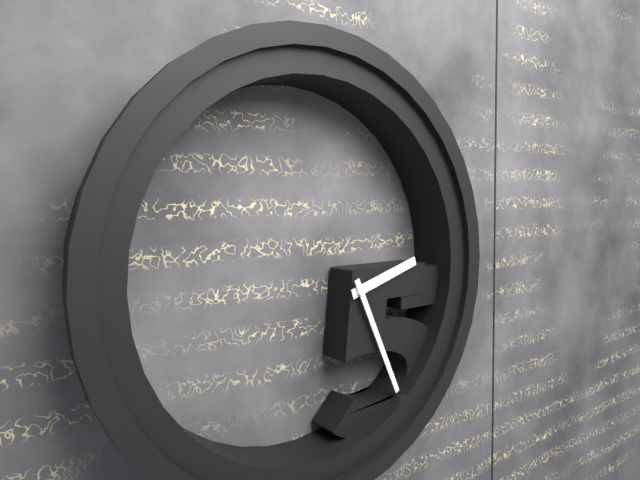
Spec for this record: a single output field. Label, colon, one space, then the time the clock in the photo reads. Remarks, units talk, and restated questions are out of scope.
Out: 2:26
